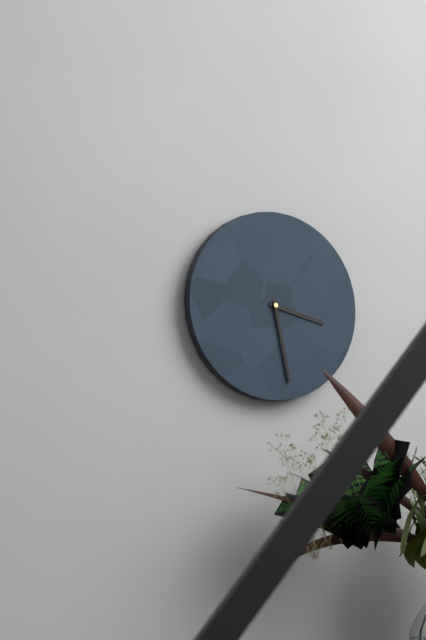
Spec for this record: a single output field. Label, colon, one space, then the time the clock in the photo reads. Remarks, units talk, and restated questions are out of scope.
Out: 3:28
